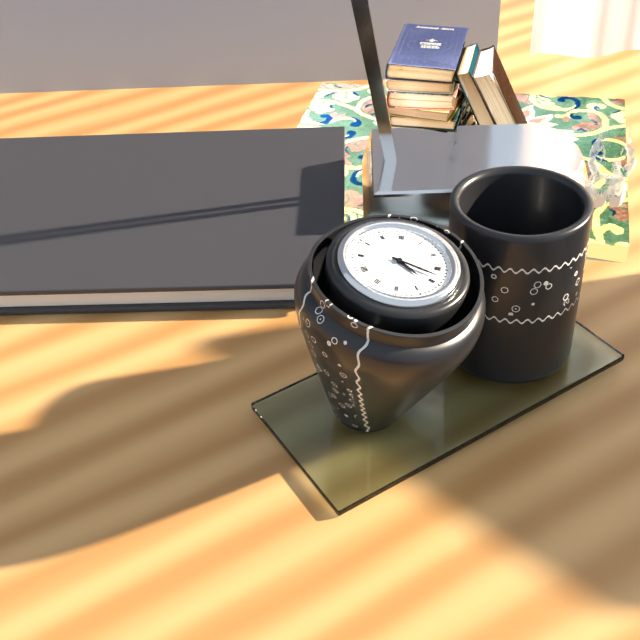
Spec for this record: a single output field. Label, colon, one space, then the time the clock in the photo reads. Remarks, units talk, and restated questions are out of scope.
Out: 4:18
